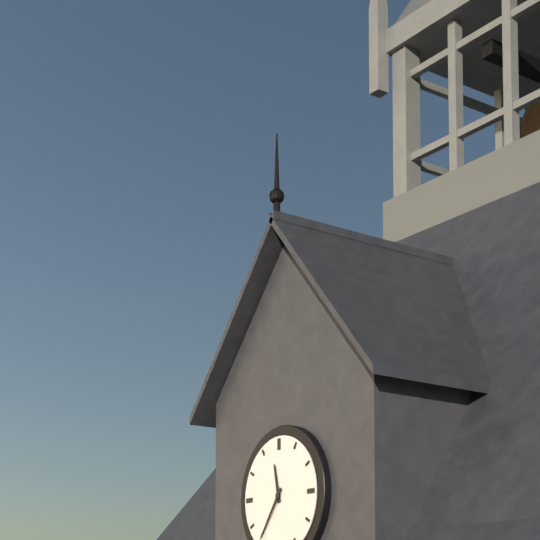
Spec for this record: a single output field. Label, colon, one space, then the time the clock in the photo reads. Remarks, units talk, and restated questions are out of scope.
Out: 11:36
